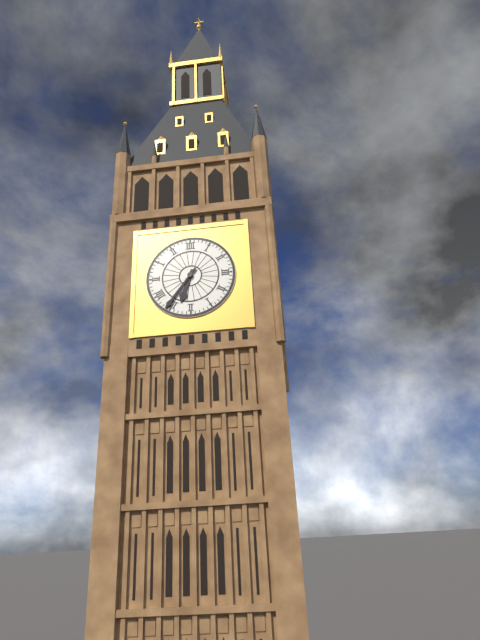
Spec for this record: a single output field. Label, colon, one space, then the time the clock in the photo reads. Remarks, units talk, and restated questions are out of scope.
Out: 6:36
